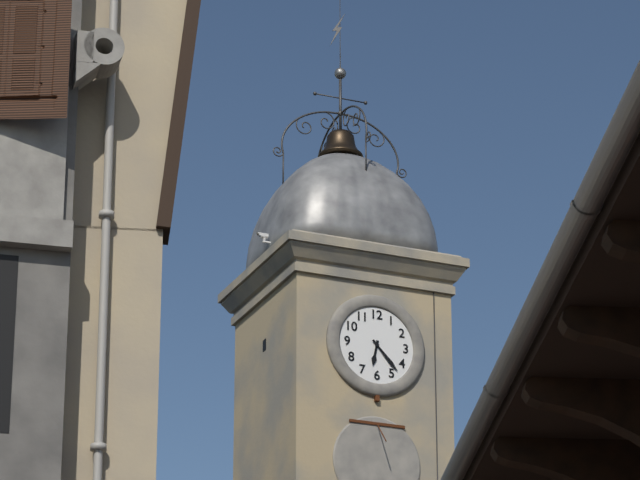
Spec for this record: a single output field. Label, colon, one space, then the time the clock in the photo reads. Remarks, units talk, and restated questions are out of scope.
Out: 6:23
